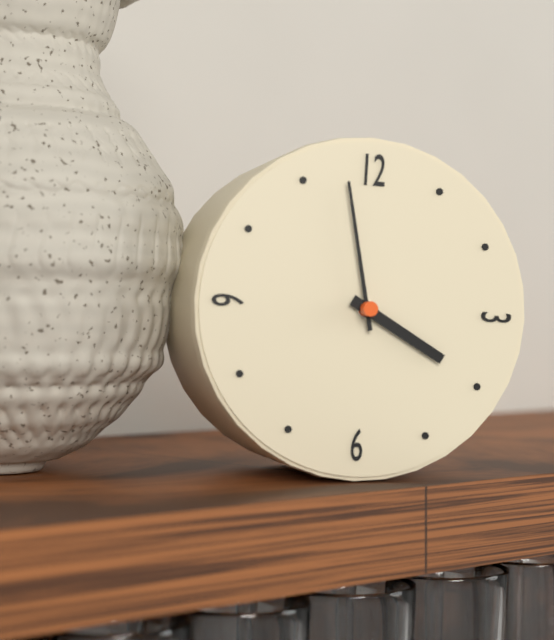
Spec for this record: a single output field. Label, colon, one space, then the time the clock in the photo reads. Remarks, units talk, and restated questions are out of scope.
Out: 3:58
